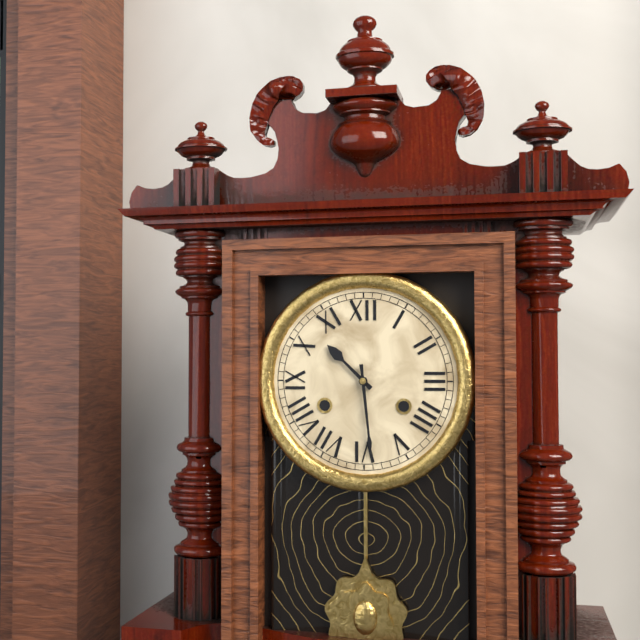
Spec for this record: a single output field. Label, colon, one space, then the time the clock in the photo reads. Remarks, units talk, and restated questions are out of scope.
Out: 10:29
